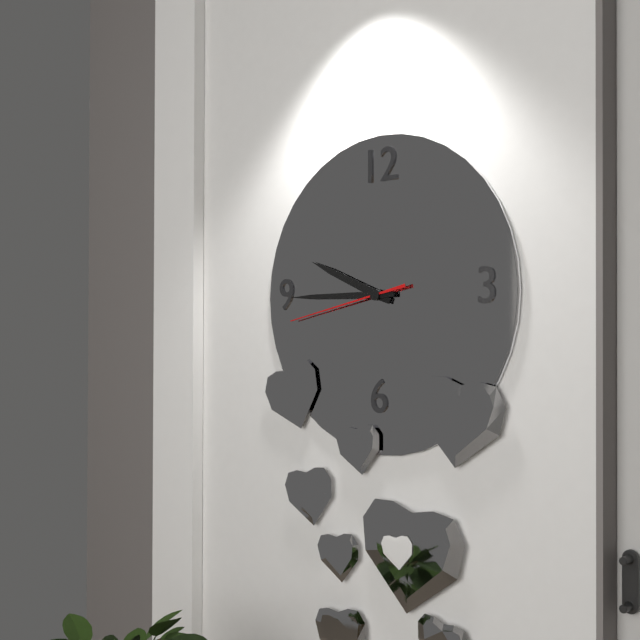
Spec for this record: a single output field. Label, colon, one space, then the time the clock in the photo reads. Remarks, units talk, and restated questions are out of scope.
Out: 9:45:43
